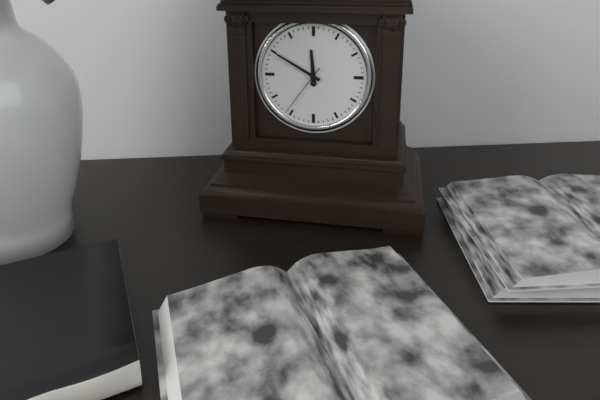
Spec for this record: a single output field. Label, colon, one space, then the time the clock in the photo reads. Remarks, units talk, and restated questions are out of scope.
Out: 11:50:36
